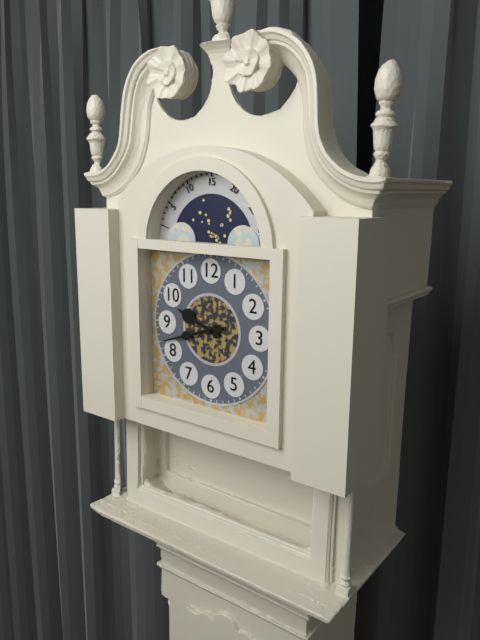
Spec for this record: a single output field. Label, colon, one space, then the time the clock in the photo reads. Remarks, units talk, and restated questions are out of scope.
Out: 9:42
